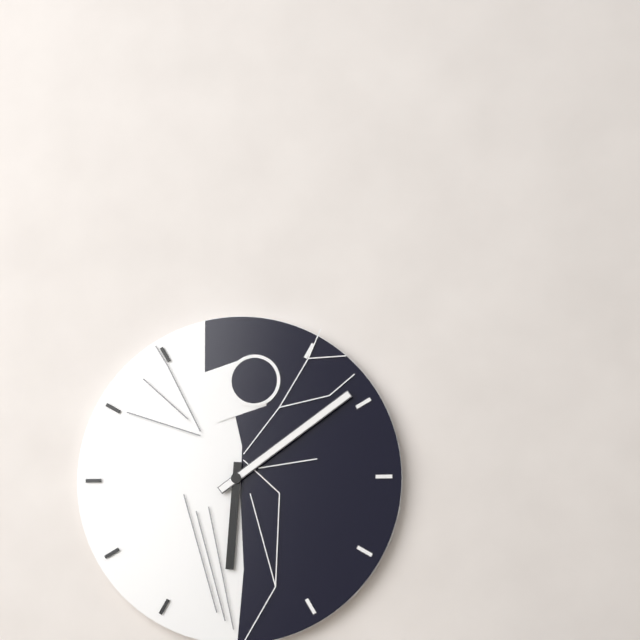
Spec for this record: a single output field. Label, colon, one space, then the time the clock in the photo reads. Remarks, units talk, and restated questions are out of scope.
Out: 6:09
